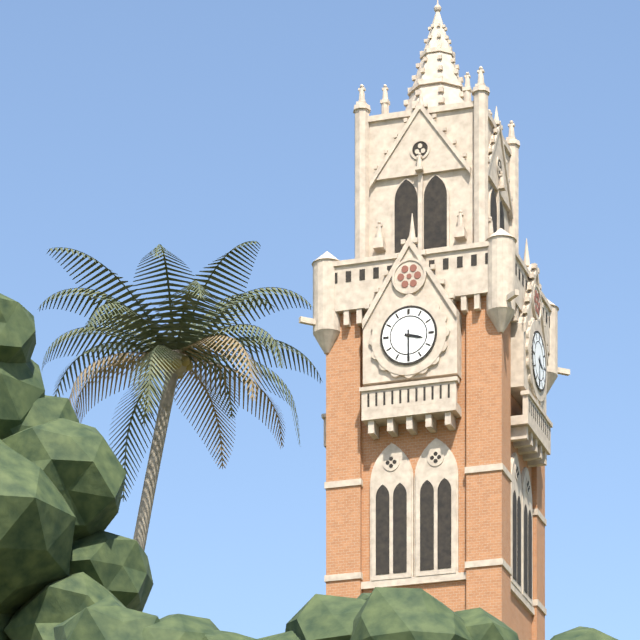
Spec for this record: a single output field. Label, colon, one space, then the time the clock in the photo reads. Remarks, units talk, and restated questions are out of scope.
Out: 3:30
